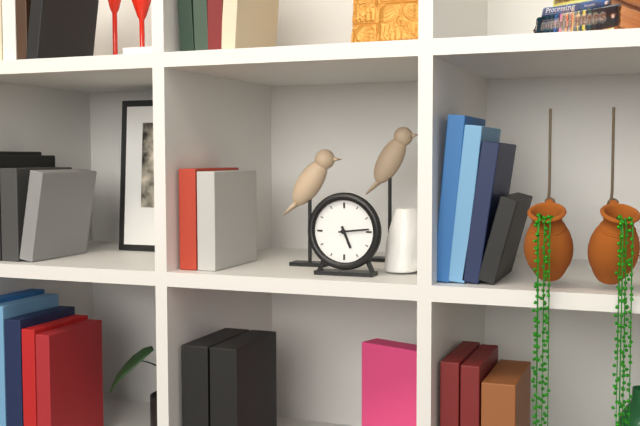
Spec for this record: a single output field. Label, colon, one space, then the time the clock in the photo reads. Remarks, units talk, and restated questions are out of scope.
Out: 5:14
